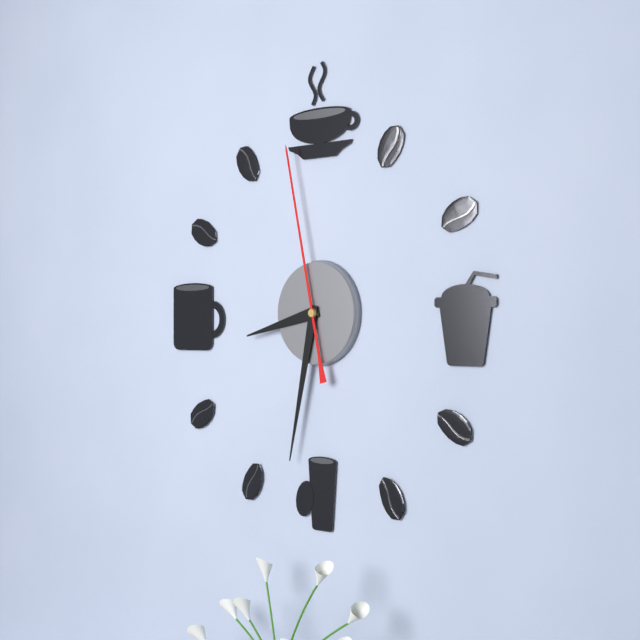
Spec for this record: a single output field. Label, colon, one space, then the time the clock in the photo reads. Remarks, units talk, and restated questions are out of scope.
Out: 8:32:58
